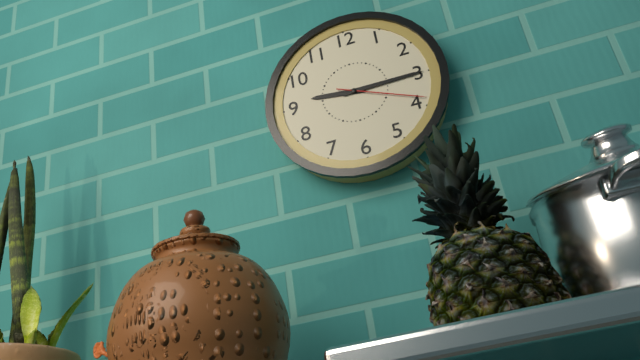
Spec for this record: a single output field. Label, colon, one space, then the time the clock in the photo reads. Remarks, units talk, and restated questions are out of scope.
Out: 9:15:19
